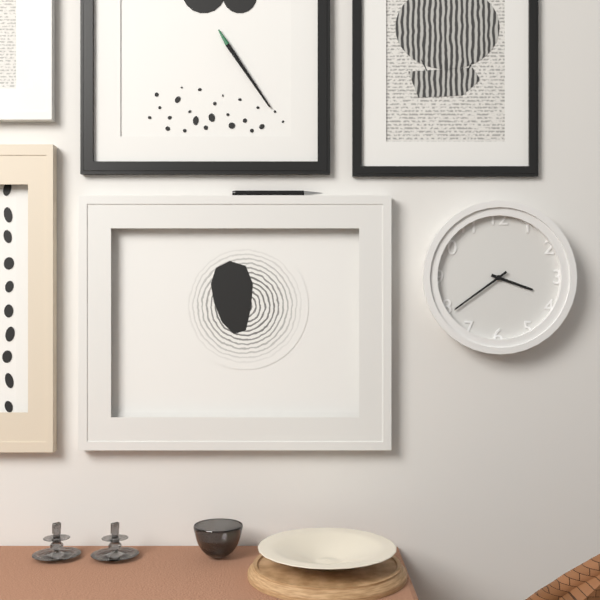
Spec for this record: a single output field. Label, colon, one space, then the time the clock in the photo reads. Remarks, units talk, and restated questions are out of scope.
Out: 3:39
